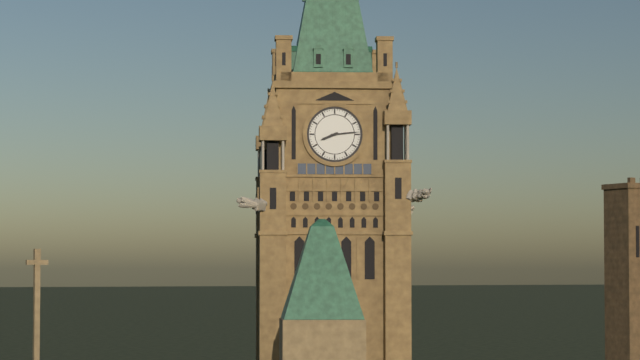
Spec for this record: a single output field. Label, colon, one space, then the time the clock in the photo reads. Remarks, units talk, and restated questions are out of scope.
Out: 8:14
